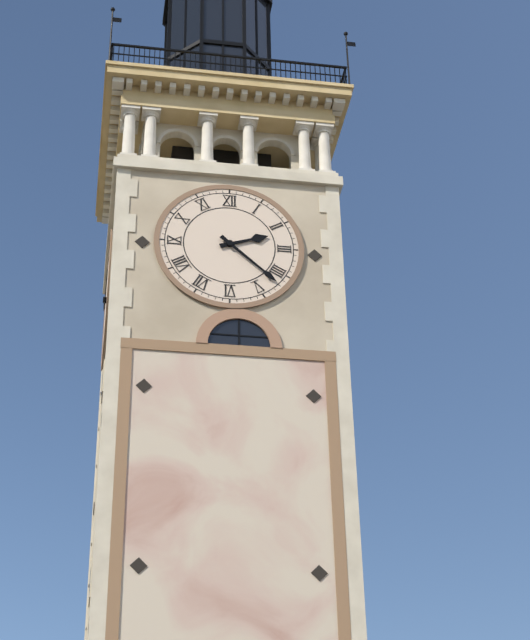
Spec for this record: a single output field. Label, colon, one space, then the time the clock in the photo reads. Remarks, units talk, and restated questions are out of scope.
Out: 2:22
